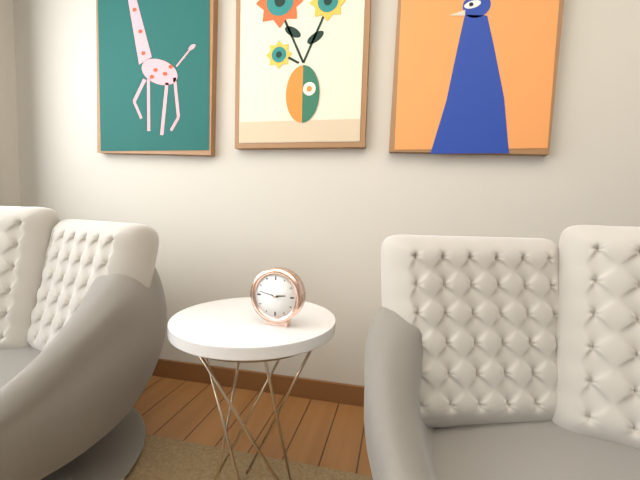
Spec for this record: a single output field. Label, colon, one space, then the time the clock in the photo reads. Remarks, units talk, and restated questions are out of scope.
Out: 2:47
